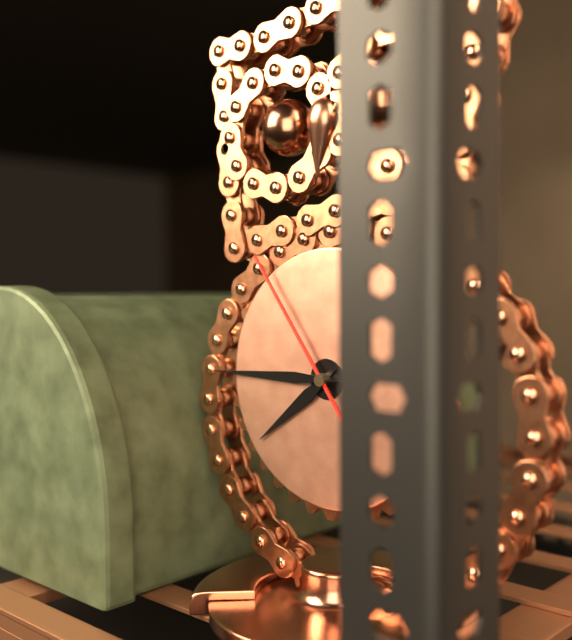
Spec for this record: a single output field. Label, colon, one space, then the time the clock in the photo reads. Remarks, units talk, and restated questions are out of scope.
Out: 7:45:54
